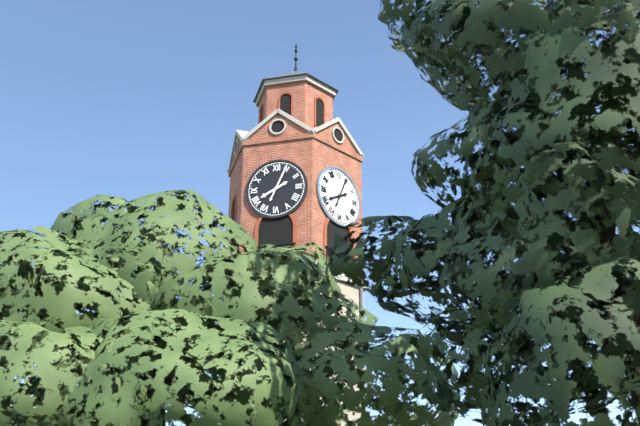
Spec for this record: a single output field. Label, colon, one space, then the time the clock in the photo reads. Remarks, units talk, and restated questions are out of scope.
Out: 8:04
